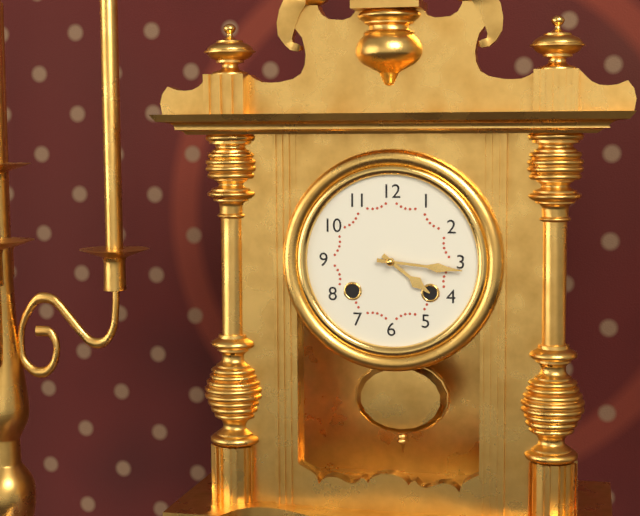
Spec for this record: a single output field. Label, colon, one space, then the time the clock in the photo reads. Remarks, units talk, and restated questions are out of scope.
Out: 4:16
